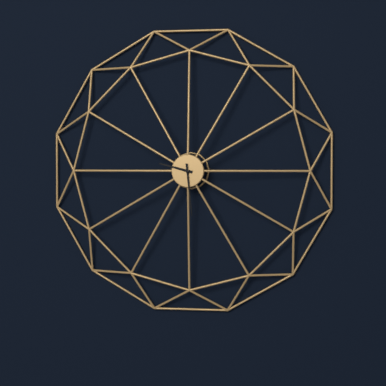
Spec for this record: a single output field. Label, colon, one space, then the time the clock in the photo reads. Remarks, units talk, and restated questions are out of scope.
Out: 9:29
